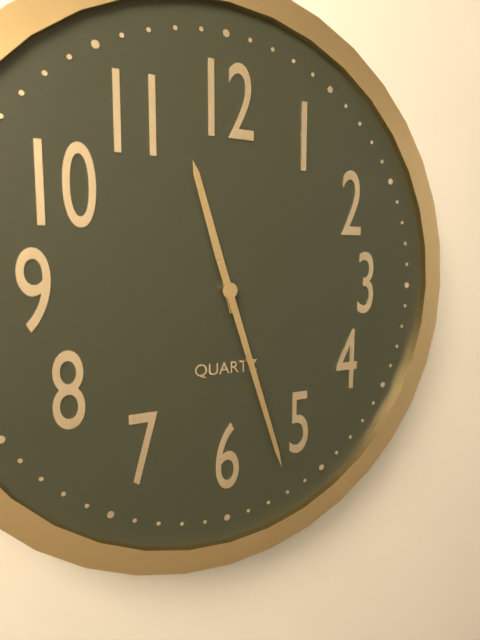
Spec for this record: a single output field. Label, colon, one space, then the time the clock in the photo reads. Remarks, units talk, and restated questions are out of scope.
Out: 11:27
